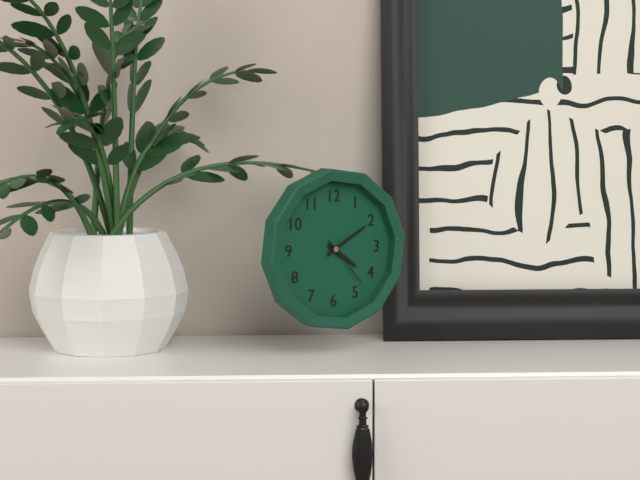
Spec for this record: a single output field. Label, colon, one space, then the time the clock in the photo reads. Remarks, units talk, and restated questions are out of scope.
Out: 4:10:23
